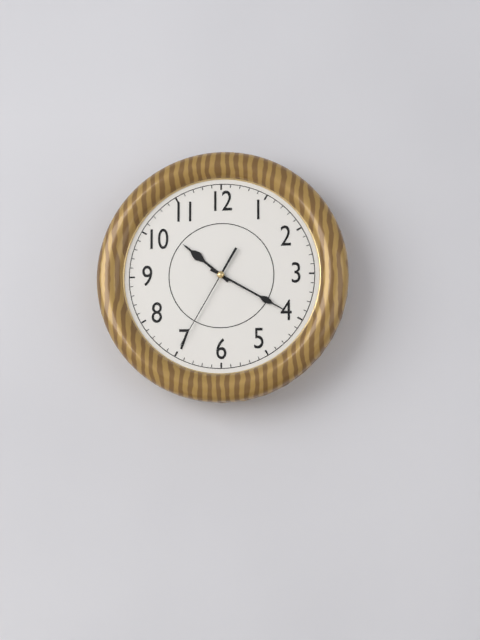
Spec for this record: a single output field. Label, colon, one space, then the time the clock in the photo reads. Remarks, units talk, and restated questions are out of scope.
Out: 10:20:35
